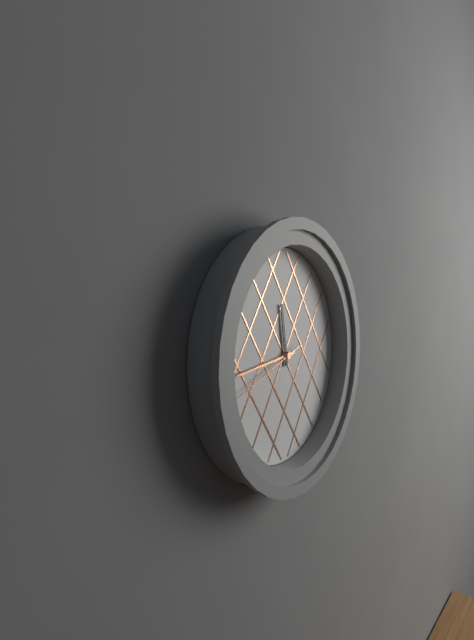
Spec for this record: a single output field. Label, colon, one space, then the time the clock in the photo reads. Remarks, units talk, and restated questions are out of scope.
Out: 11:44:42
